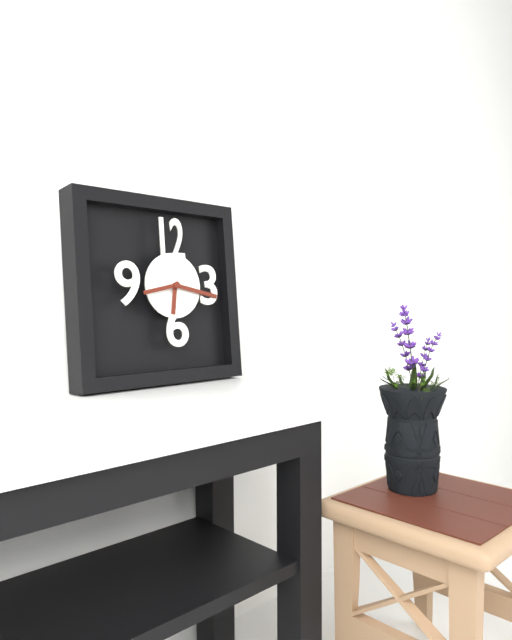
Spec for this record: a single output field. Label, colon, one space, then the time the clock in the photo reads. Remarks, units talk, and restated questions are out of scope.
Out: 6:17
